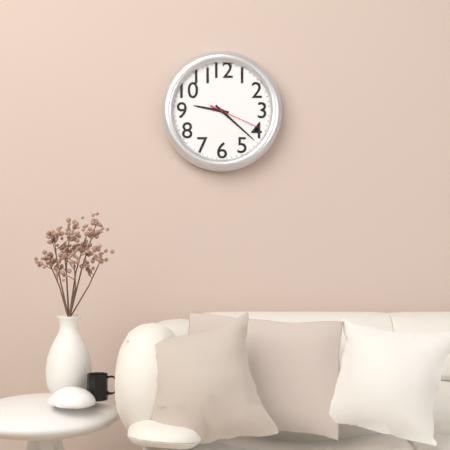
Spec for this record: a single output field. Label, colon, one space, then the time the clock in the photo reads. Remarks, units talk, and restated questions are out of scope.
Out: 9:22:19
